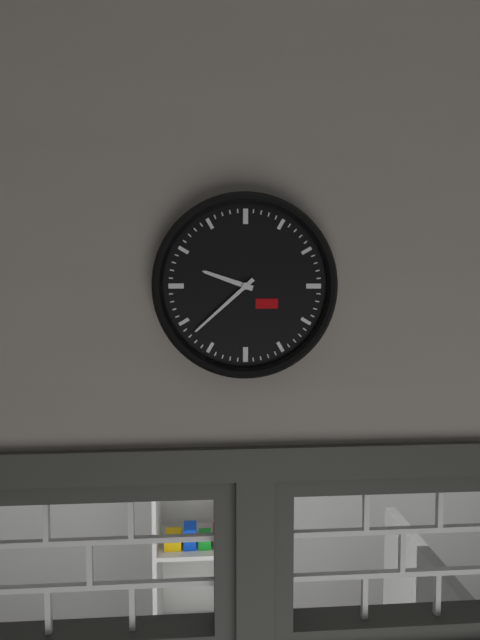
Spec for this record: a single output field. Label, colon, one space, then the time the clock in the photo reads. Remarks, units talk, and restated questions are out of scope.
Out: 9:38
